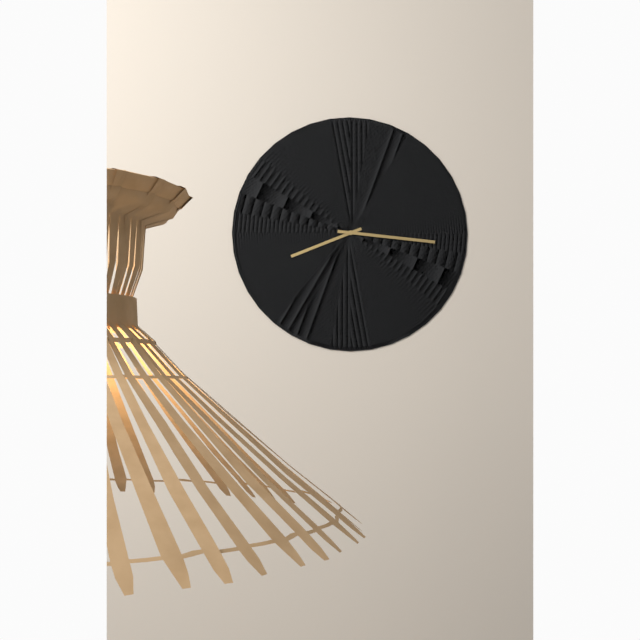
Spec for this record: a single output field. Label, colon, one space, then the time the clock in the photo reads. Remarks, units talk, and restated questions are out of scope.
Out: 8:16
